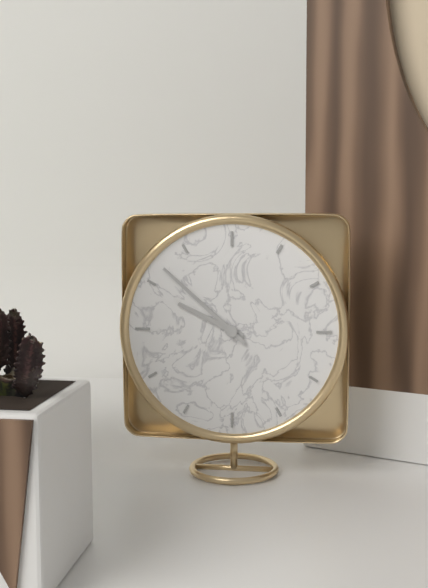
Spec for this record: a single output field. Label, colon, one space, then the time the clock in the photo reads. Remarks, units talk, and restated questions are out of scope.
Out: 9:52
